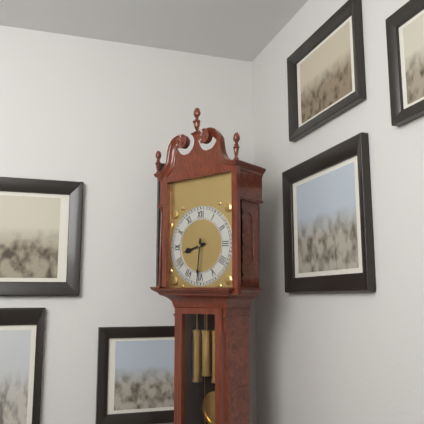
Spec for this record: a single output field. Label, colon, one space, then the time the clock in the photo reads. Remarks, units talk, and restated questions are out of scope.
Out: 8:31
